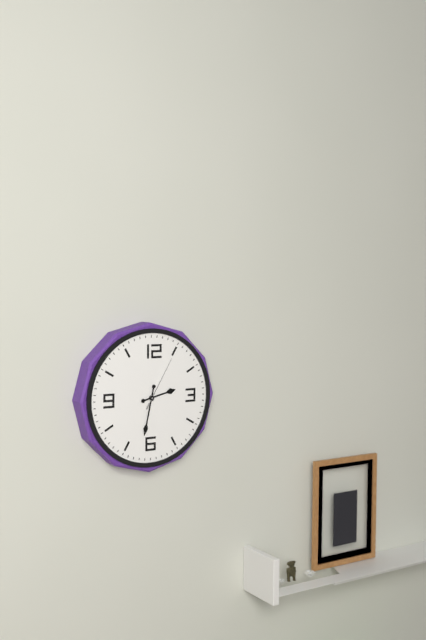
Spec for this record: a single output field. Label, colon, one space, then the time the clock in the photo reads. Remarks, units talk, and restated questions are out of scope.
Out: 2:32:05
